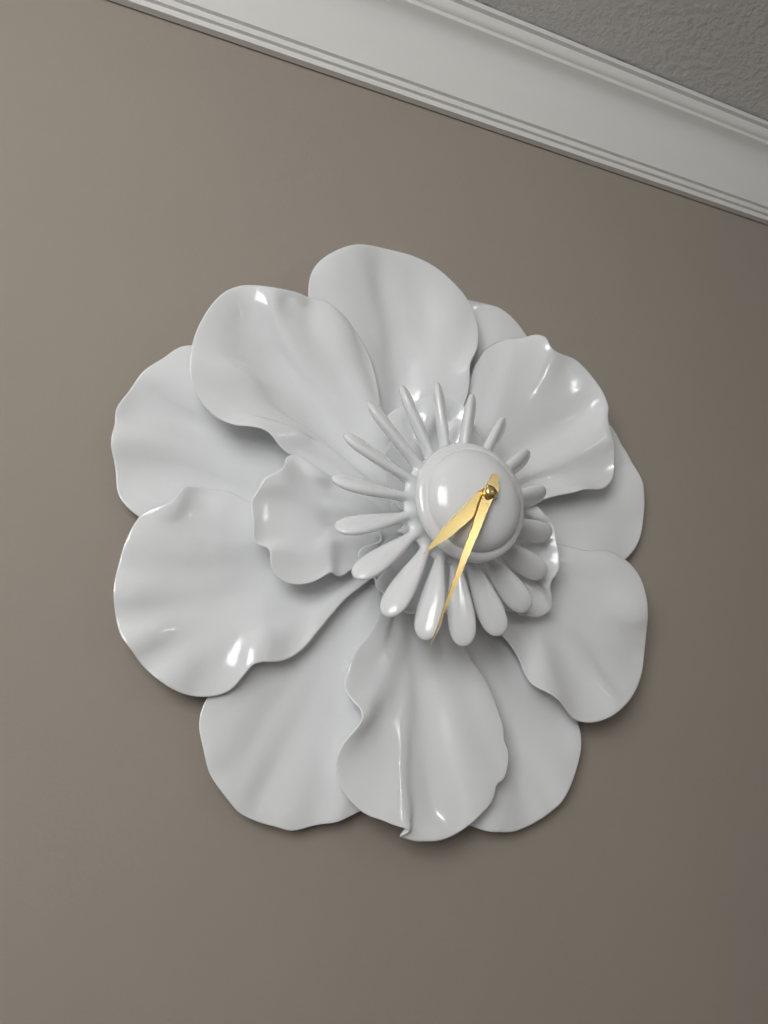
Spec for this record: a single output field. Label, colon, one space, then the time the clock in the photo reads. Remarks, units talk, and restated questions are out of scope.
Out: 7:34
